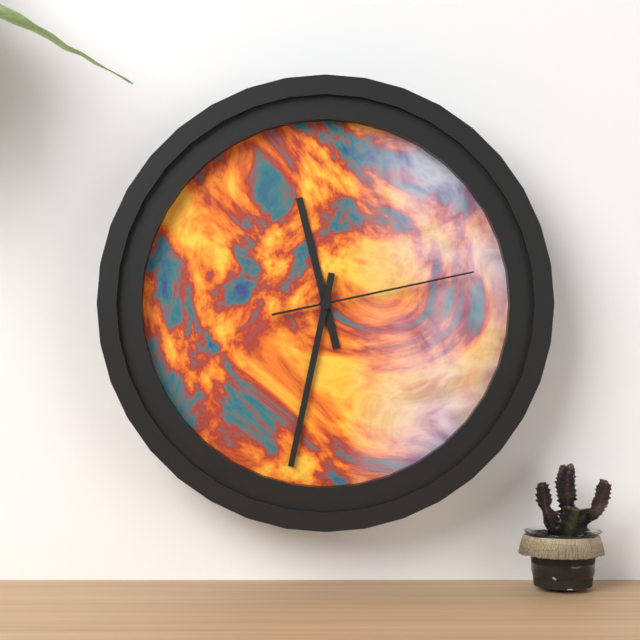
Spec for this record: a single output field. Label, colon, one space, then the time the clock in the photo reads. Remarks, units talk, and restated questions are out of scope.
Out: 11:32:13
